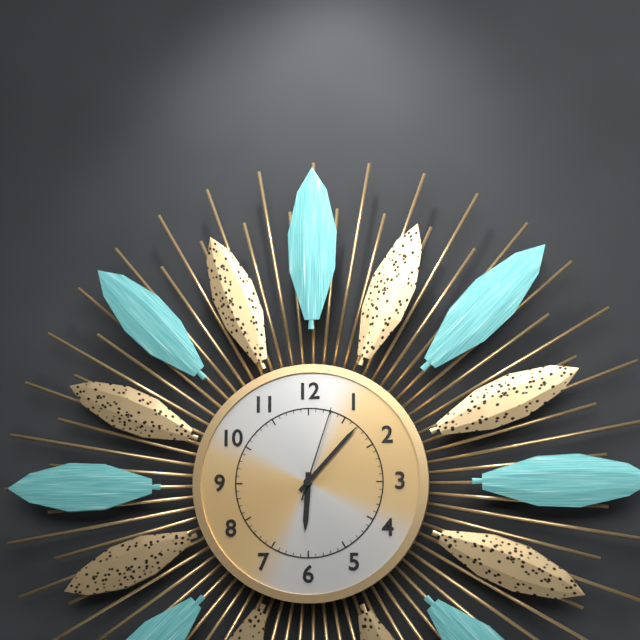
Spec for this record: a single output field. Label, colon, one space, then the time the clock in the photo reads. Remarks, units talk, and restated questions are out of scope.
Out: 6:07:03
